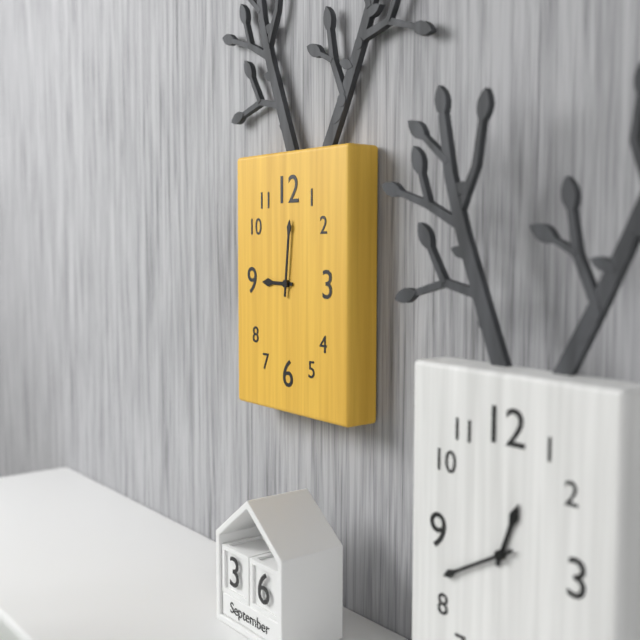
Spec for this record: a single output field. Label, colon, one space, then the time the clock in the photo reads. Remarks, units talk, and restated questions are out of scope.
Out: 9:01
